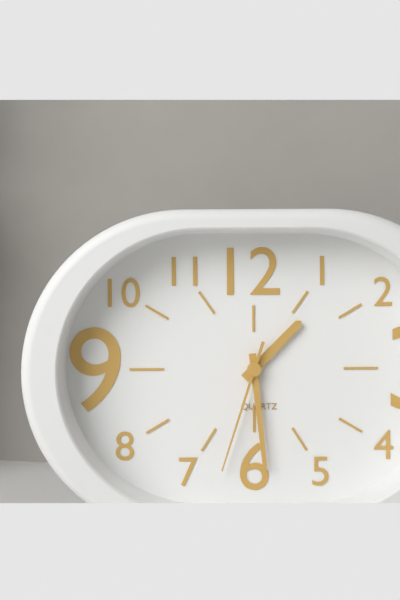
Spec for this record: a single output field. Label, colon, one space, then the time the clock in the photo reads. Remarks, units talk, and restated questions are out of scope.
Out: 1:29:33
